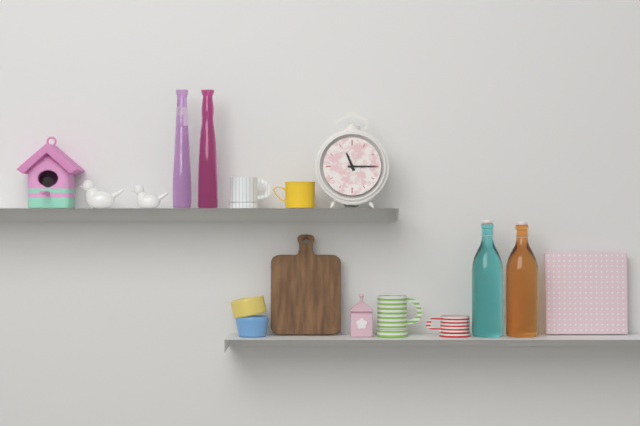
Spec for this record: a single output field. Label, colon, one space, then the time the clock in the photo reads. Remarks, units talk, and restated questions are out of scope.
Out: 11:15
